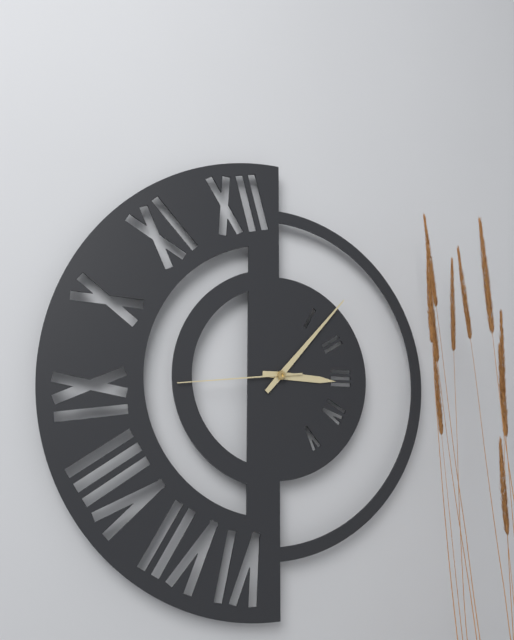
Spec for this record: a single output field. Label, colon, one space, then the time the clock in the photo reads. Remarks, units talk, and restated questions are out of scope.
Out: 3:07:44
